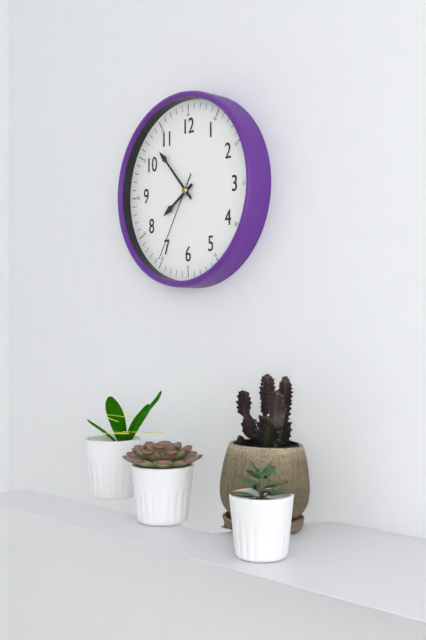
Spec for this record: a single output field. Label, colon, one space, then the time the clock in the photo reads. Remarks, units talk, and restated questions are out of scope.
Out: 7:53:35
